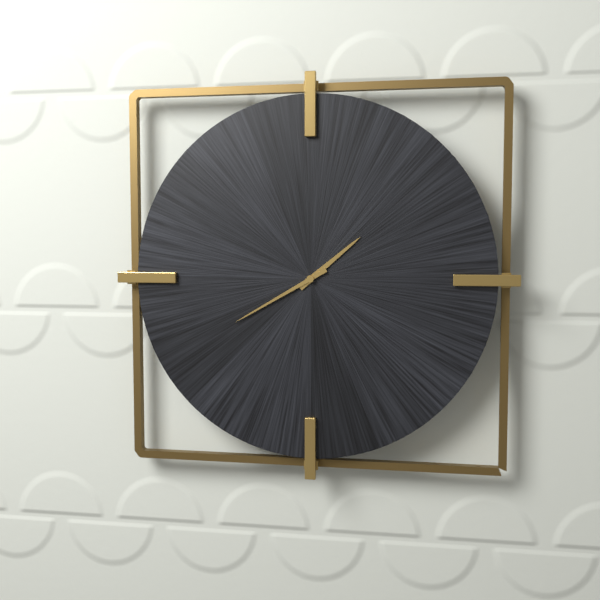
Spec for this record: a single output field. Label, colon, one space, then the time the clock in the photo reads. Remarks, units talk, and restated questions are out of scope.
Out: 1:40
